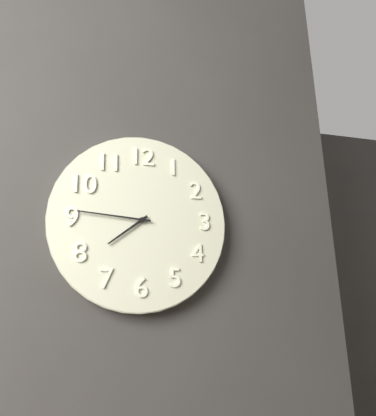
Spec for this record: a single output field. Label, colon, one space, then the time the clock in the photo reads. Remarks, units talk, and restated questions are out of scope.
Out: 7:46
